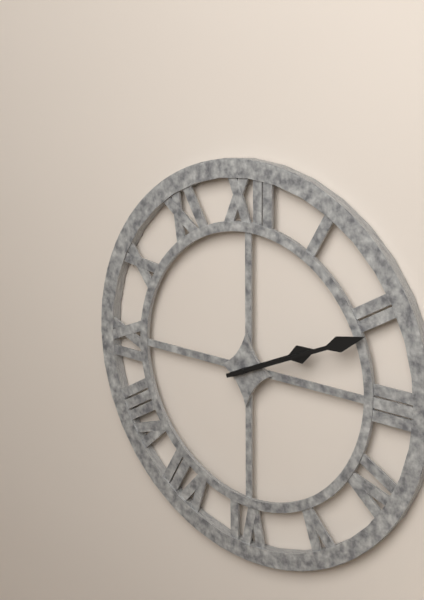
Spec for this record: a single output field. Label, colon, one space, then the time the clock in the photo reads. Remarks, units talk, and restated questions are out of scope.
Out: 2:11
